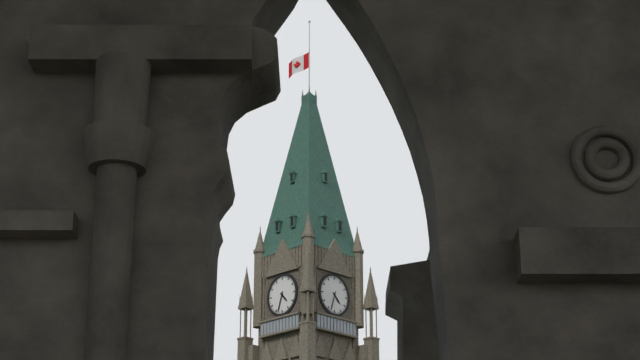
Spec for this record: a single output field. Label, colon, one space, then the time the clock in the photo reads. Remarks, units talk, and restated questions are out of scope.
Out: 4:33
